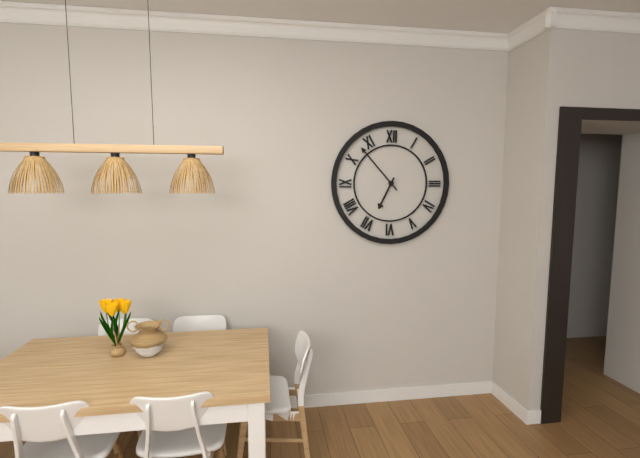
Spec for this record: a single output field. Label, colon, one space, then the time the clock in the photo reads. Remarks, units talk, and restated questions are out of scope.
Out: 6:53
